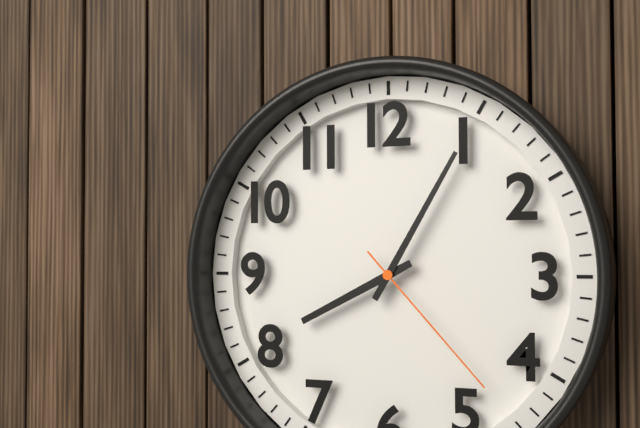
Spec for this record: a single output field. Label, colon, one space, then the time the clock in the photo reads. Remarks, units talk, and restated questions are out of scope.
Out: 8:05:23
